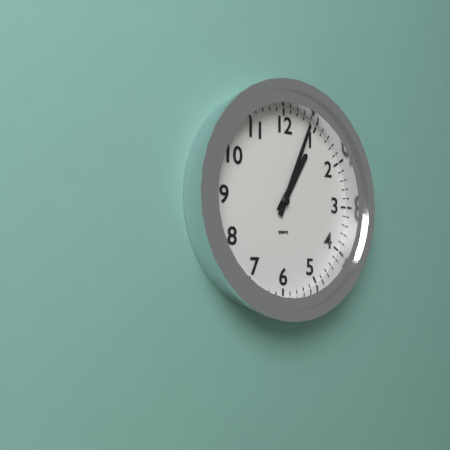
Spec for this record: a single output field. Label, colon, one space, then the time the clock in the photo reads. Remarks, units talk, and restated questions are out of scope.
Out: 1:04
